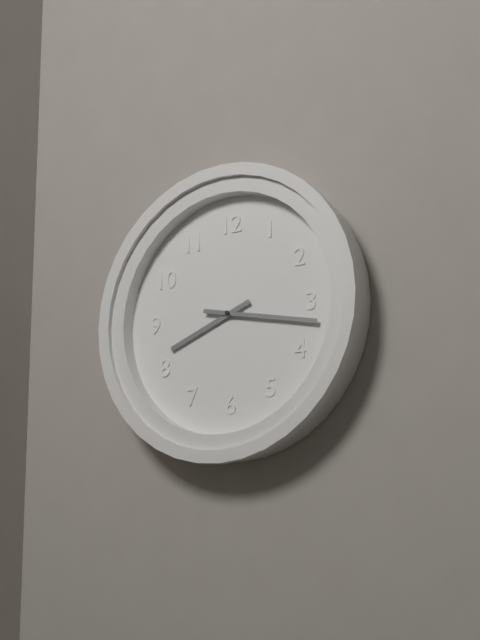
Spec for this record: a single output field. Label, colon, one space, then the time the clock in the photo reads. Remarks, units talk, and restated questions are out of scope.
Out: 8:17
